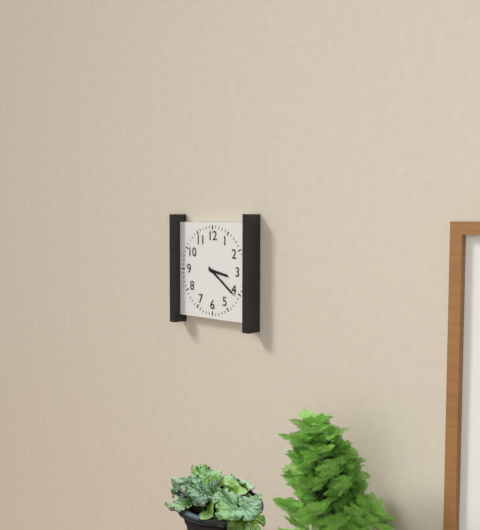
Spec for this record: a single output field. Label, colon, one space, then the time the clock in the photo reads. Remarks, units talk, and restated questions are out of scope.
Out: 3:21
